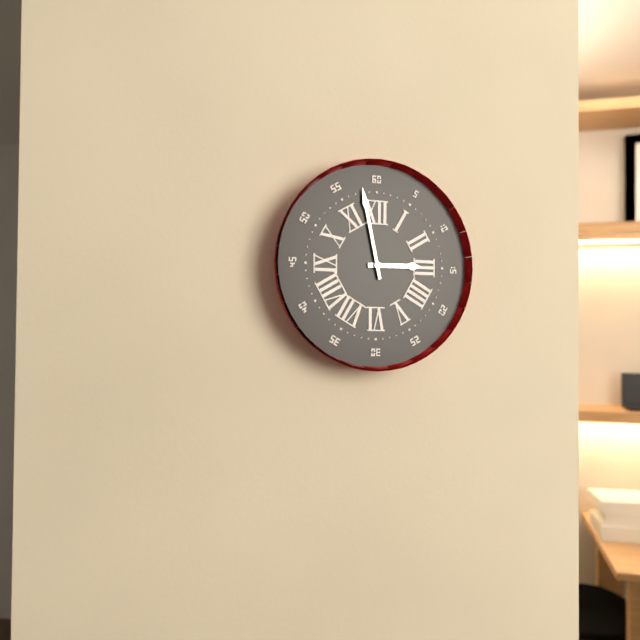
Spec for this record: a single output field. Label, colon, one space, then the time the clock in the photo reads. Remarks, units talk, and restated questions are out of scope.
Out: 2:58
